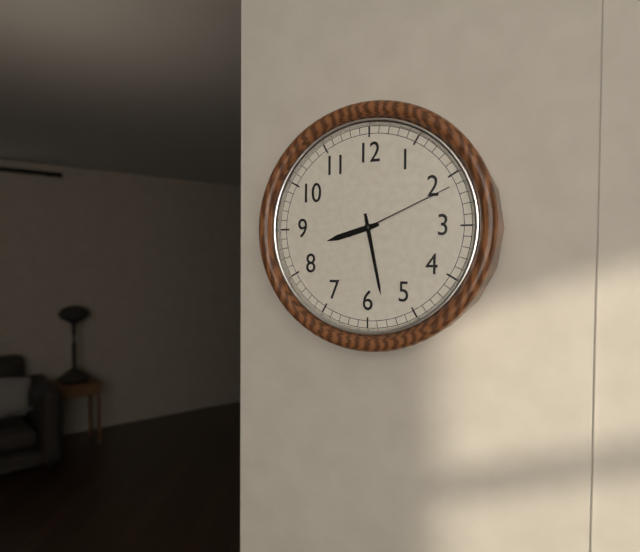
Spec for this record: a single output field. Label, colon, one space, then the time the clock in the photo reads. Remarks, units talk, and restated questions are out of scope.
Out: 8:28:11
